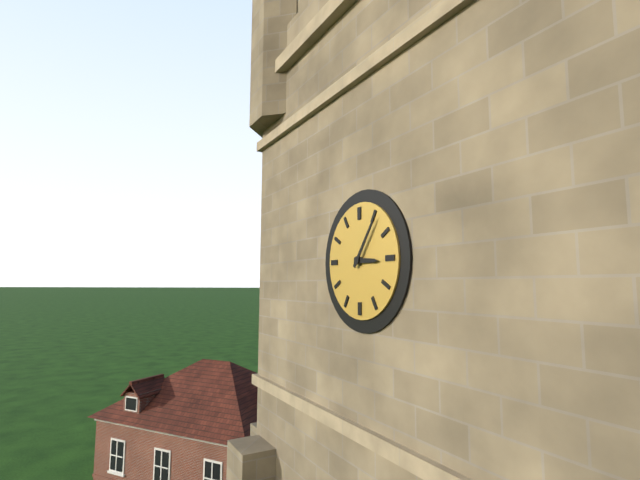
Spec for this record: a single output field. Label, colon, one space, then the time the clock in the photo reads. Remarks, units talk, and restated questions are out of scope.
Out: 3:06
